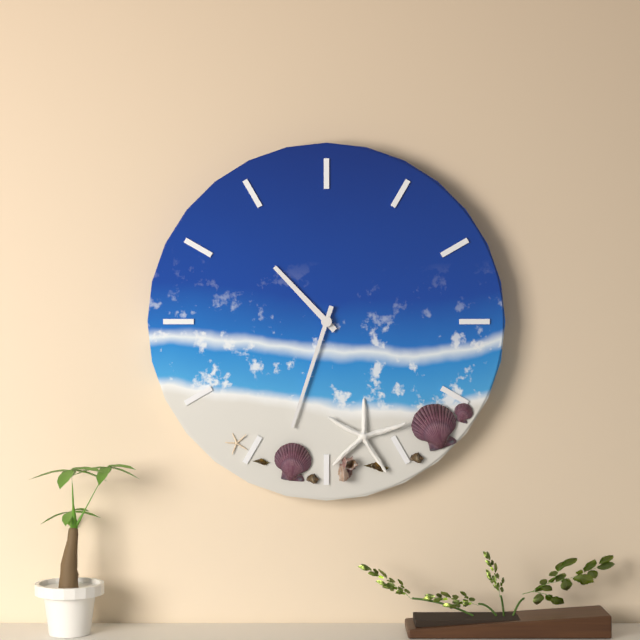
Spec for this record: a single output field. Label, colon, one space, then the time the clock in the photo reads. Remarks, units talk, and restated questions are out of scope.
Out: 10:33
